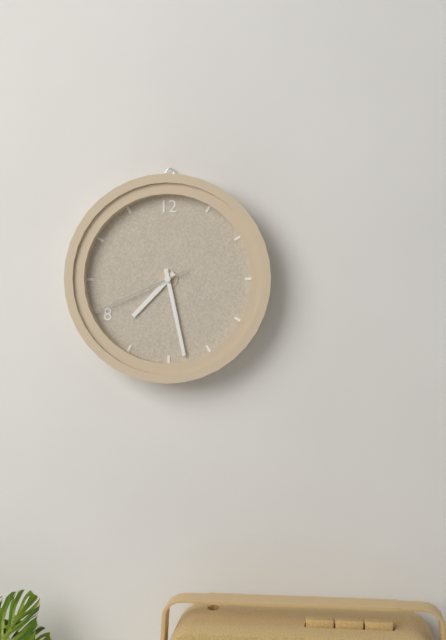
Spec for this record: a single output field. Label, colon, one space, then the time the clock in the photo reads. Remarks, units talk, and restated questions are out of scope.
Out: 7:28:41
